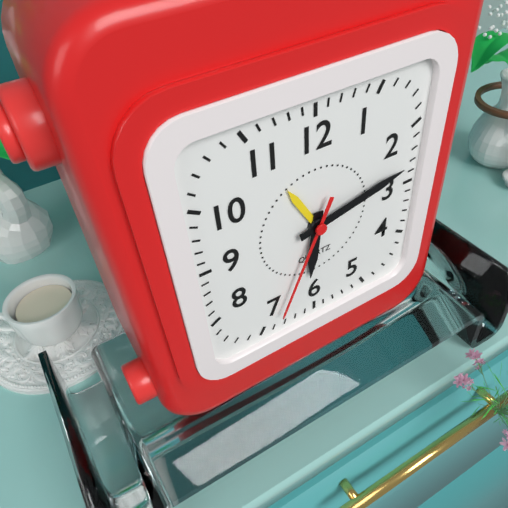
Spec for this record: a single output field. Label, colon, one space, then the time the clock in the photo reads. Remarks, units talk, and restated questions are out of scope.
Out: 6:13:34
